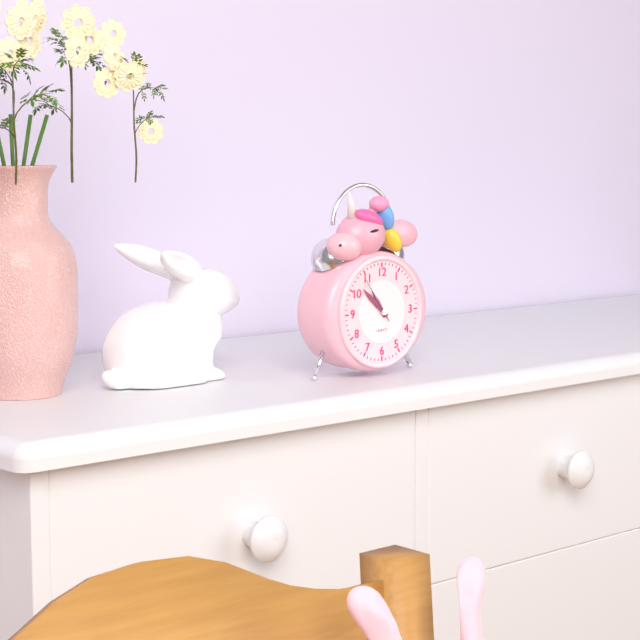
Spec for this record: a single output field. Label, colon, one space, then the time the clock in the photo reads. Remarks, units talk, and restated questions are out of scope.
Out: 10:52
